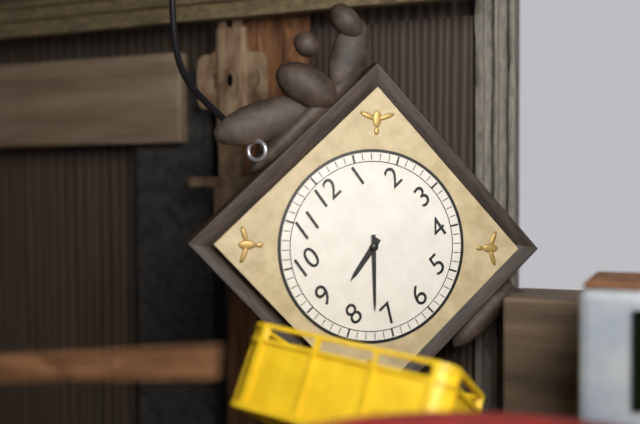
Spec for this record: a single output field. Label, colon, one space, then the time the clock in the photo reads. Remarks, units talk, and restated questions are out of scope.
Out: 8:37
